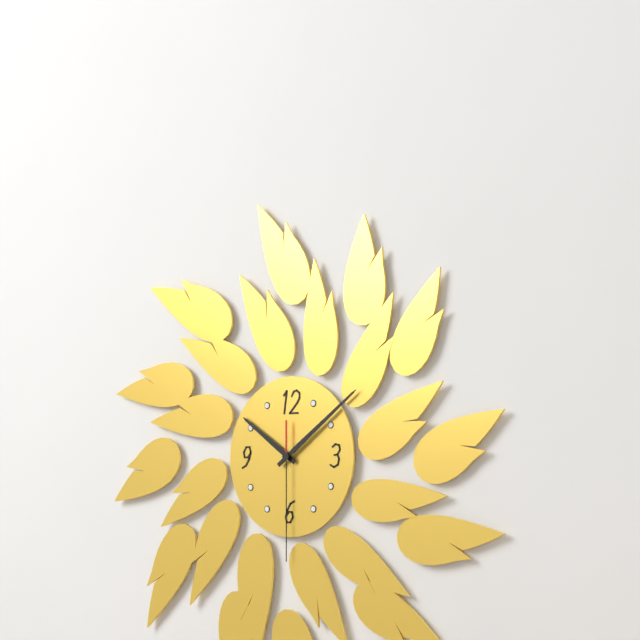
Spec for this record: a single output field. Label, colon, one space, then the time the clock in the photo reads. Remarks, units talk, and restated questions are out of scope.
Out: 10:09:30
